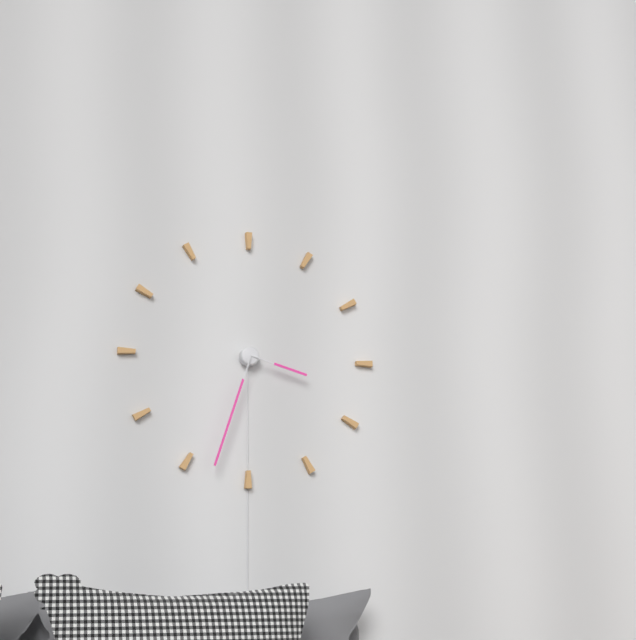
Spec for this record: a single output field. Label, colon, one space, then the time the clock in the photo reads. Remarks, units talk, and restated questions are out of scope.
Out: 3:33
